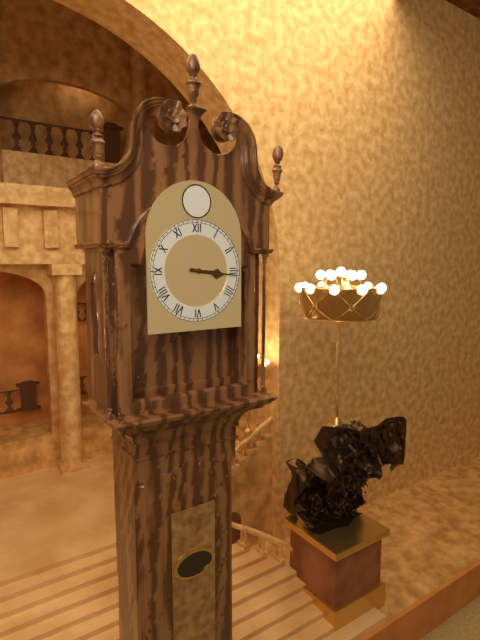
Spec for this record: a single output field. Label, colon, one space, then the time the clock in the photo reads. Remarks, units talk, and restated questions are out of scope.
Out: 3:16
